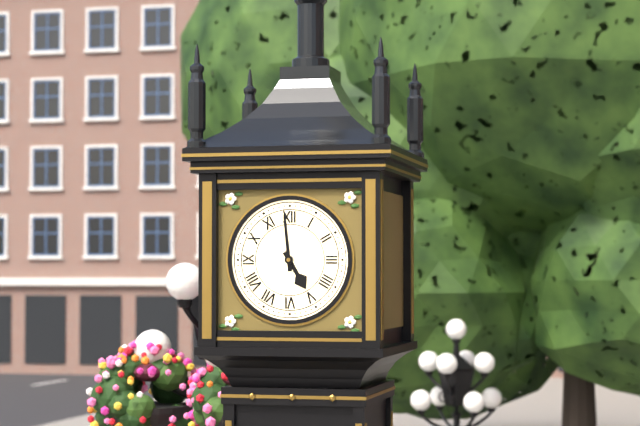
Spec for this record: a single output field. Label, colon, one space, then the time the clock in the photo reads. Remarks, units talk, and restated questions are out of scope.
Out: 4:59
